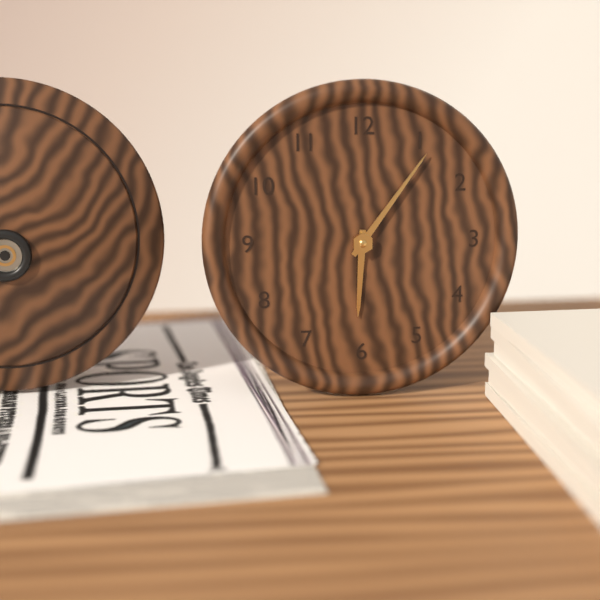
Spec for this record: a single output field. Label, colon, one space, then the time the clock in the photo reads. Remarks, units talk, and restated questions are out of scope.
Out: 6:06
